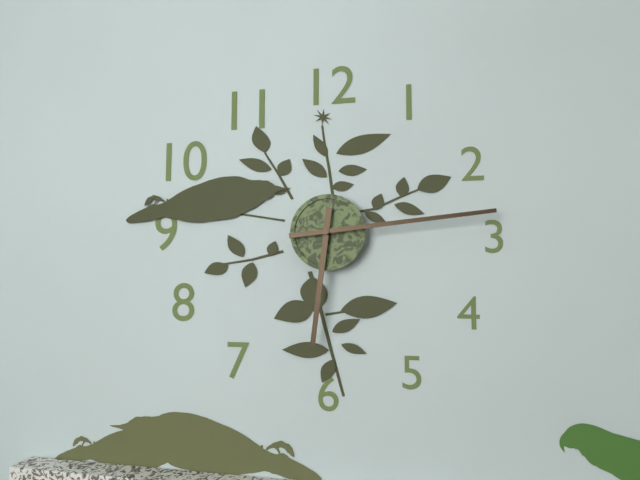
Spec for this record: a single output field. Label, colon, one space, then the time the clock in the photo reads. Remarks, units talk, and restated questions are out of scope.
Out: 6:14
